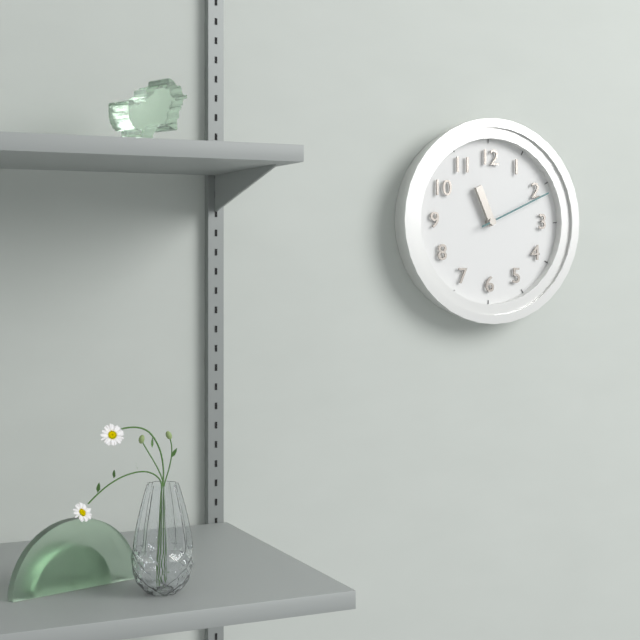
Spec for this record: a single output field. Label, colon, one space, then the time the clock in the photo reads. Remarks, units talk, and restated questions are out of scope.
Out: 11:11
